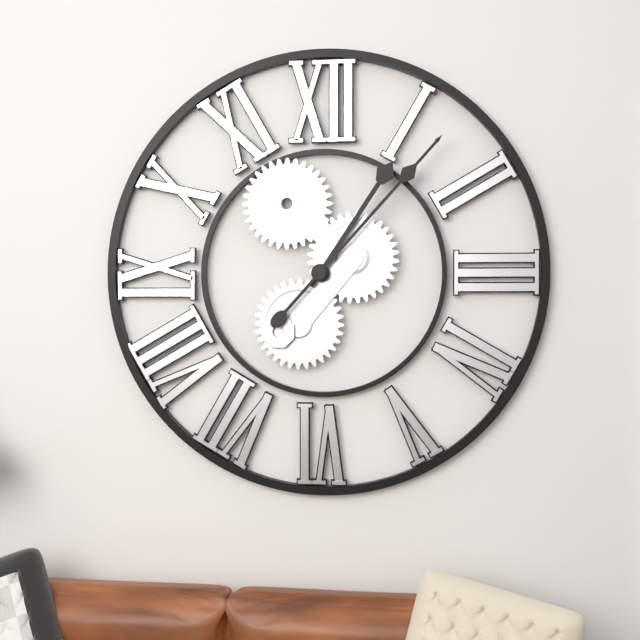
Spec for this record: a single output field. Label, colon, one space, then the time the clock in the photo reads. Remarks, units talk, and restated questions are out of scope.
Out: 1:07
